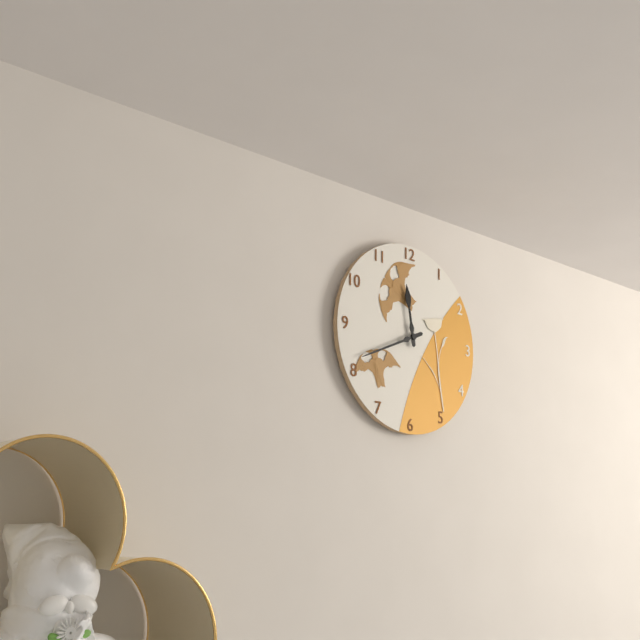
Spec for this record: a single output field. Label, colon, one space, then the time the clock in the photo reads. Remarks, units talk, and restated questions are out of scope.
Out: 11:41
